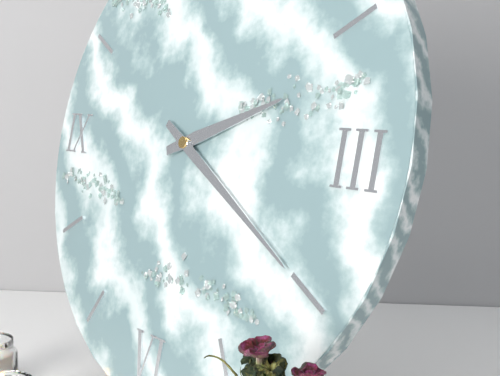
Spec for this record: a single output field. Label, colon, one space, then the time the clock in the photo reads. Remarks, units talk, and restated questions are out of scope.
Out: 2:20
